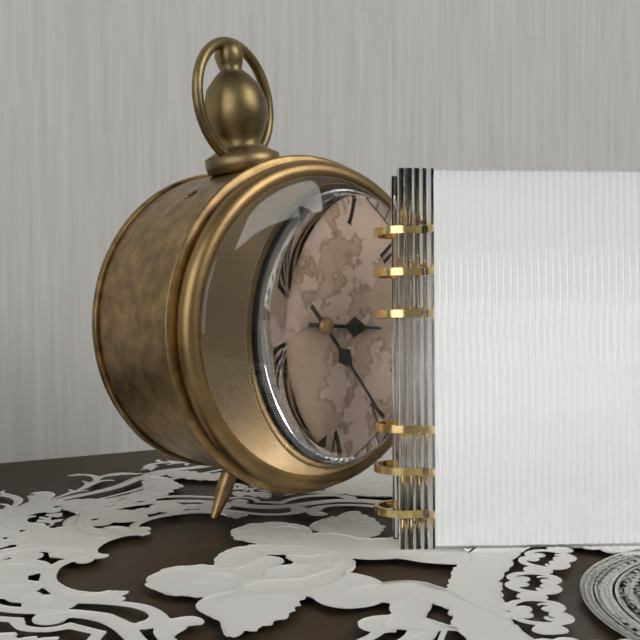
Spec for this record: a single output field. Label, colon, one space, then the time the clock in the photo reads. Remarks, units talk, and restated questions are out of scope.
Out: 3:25
